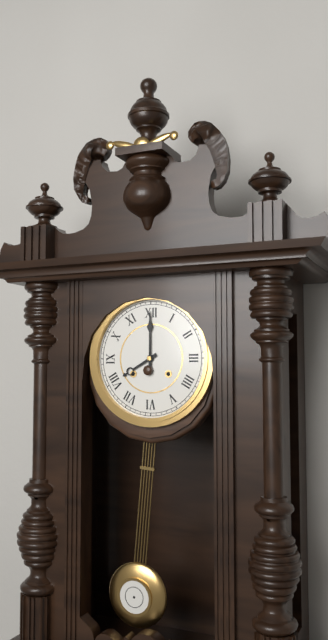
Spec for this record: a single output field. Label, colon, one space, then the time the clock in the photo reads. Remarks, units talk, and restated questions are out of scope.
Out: 8:00
